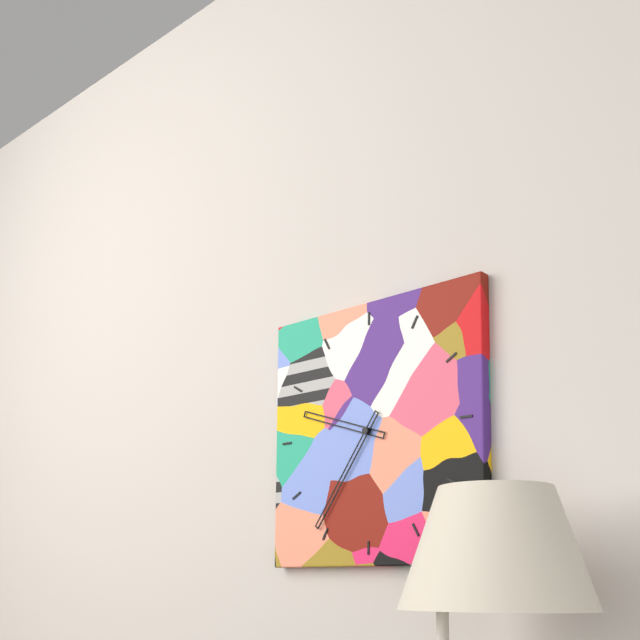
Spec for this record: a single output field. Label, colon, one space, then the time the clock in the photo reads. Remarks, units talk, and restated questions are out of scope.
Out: 9:36
